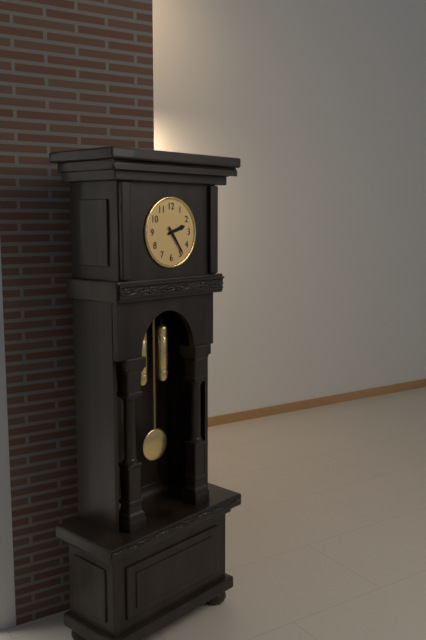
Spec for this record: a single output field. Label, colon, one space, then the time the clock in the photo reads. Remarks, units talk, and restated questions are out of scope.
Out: 2:24
